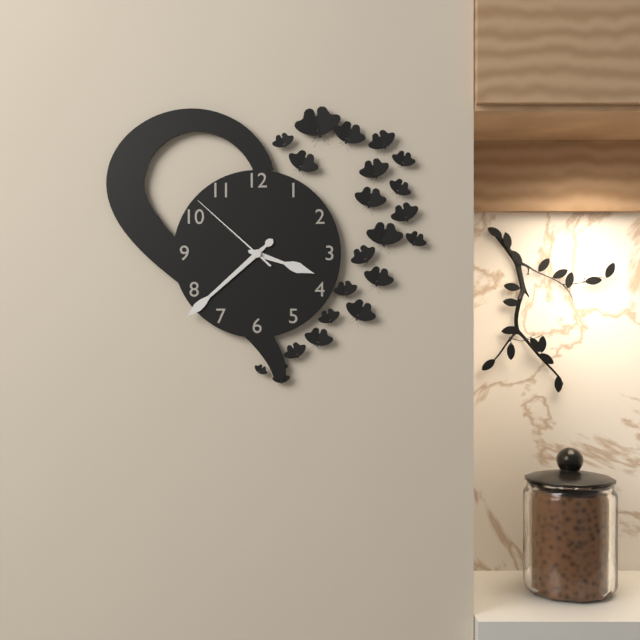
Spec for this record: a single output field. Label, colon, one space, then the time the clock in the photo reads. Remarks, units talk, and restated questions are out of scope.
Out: 3:38:52
